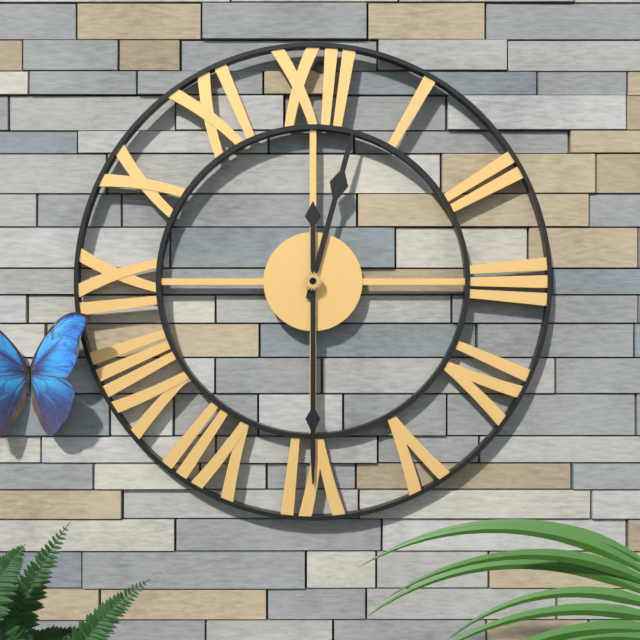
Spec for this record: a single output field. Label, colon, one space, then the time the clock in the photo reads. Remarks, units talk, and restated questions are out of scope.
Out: 12:30
